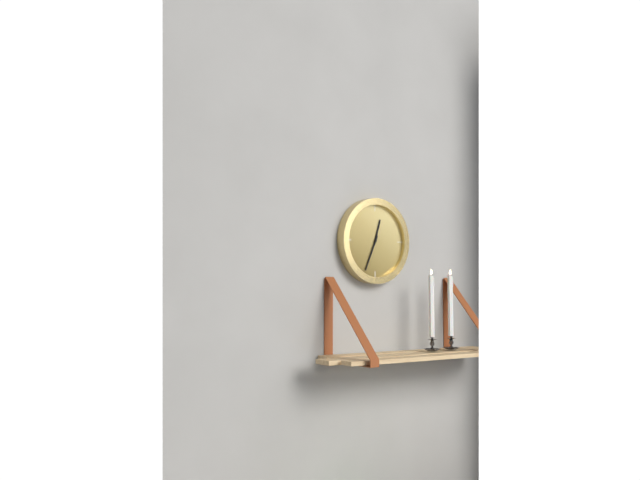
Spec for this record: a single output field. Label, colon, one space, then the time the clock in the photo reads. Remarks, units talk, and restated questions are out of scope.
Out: 12:34
